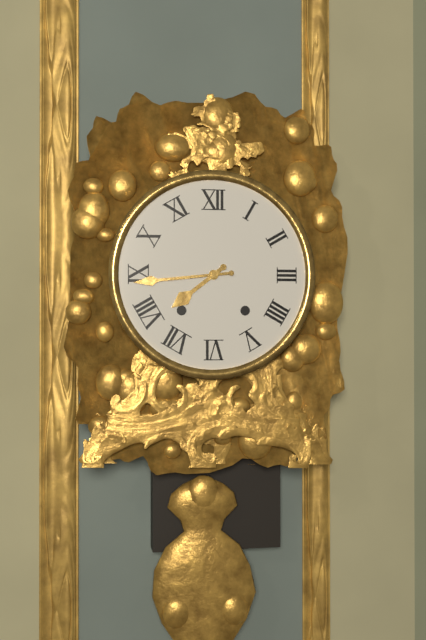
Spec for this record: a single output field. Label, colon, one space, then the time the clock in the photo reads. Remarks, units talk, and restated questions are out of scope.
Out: 7:44
